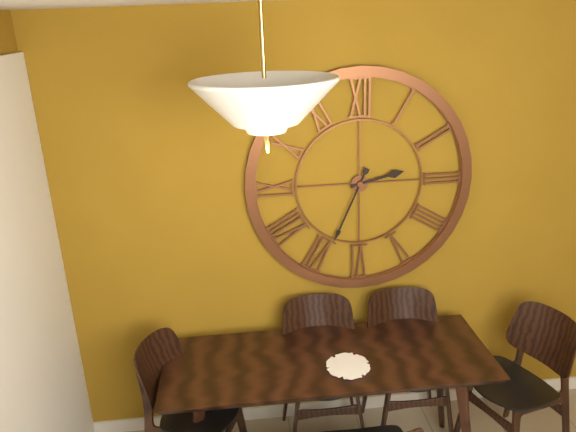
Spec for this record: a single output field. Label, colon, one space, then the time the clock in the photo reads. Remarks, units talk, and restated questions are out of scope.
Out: 2:34
